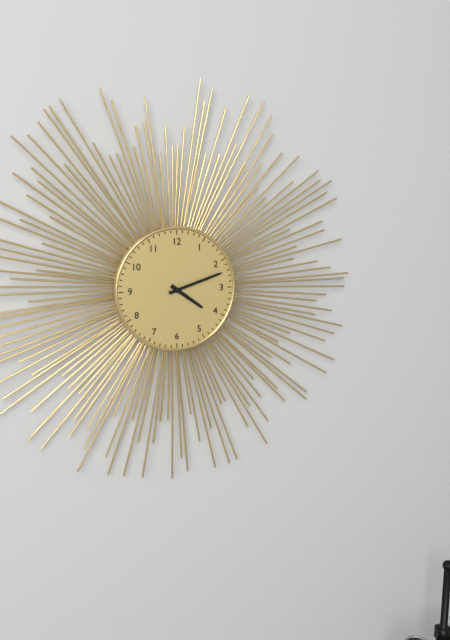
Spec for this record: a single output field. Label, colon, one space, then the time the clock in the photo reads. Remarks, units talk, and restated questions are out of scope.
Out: 4:12
